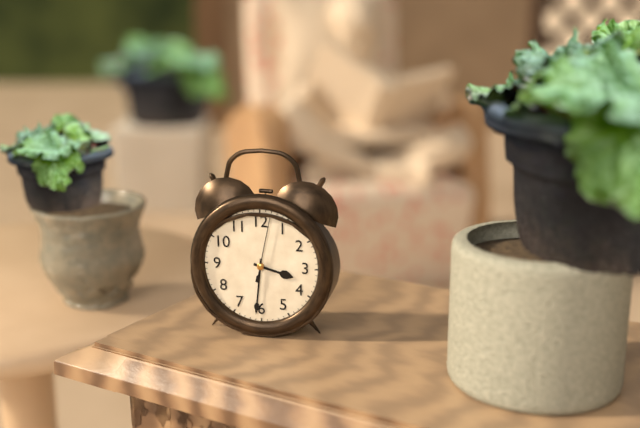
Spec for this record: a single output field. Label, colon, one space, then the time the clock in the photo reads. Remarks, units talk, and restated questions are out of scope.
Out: 3:31:02
